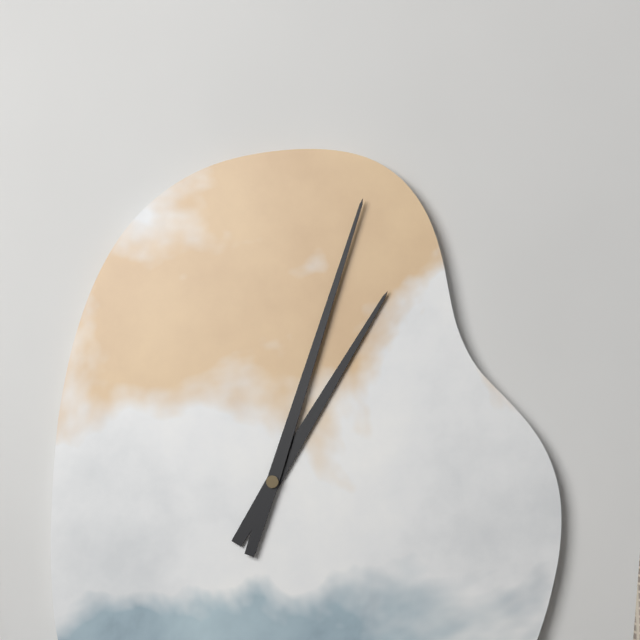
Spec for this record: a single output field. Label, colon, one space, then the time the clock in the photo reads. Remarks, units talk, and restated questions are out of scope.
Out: 1:03
